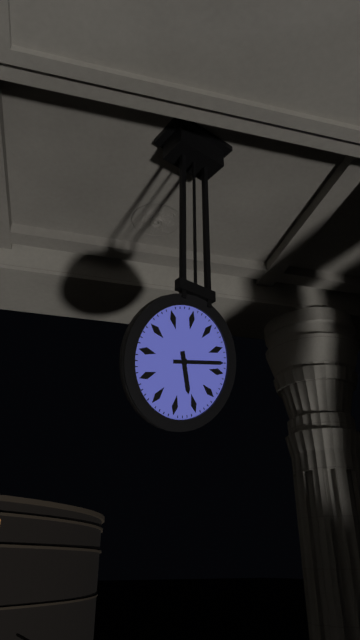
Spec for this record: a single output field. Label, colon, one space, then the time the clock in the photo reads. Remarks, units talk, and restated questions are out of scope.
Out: 5:13
